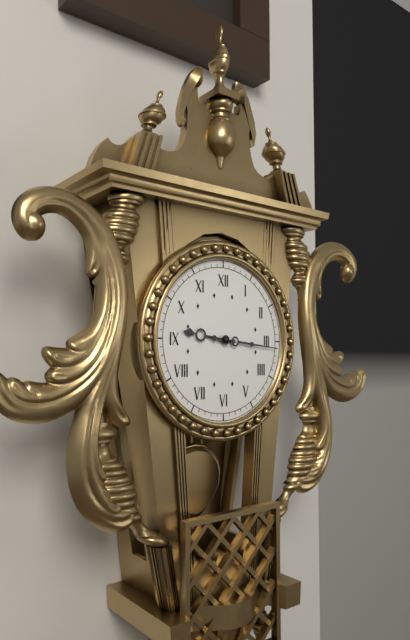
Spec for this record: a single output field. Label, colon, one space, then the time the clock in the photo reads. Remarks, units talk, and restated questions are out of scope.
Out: 9:16
